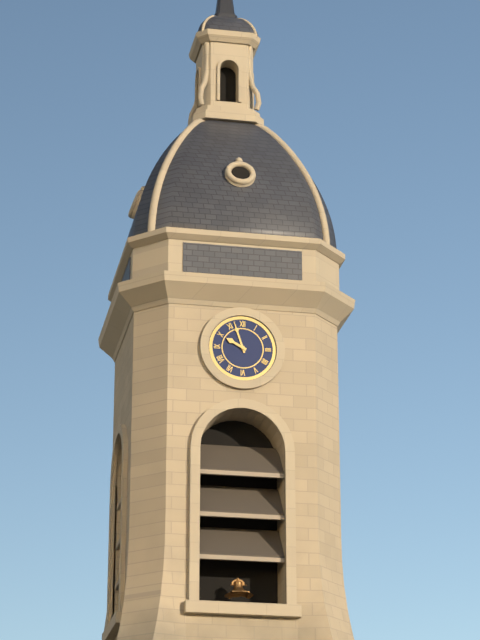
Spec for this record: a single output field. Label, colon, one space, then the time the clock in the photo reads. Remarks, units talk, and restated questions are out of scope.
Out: 9:57
